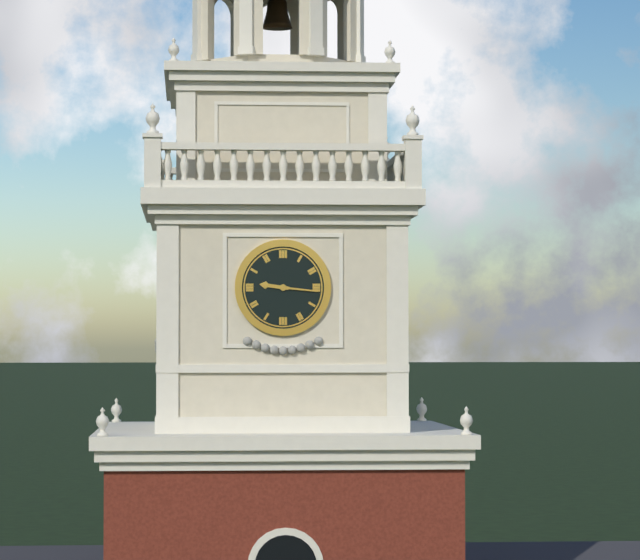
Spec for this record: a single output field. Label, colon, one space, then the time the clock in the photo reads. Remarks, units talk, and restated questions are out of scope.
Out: 9:16
